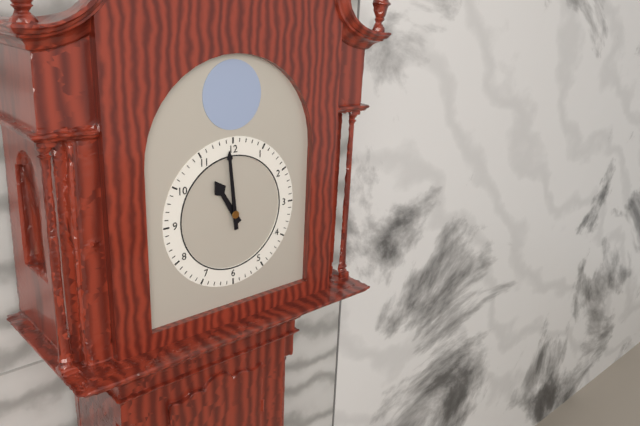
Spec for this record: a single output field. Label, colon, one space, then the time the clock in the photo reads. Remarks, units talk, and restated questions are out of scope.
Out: 10:59
